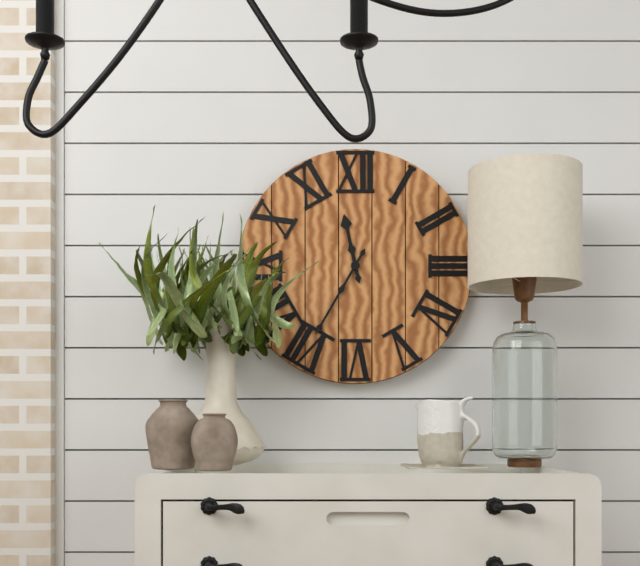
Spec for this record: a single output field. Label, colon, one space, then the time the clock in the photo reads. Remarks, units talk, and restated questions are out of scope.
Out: 11:35
